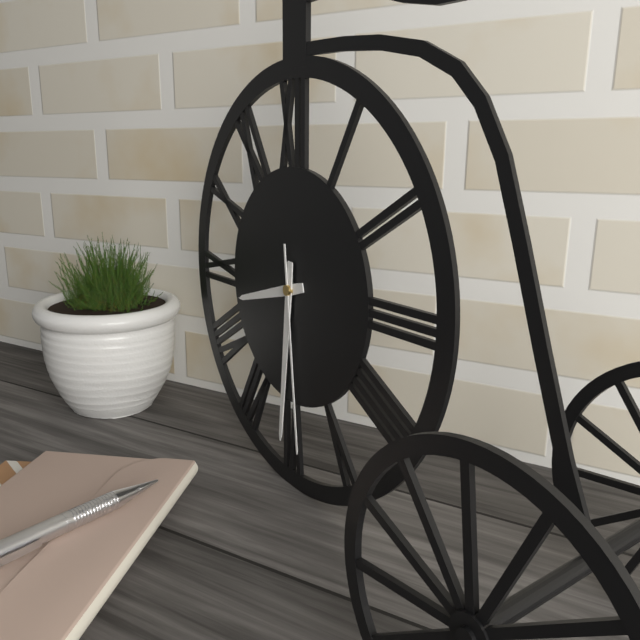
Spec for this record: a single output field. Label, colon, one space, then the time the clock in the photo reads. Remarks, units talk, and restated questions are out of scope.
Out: 8:31:29
